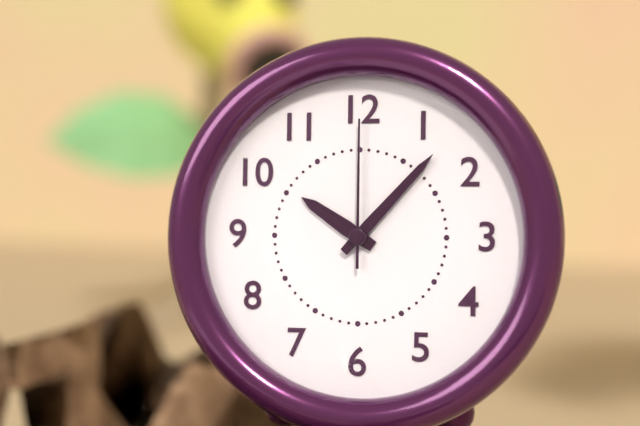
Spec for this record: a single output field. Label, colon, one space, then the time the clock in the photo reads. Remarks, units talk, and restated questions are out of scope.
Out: 10:07:00
